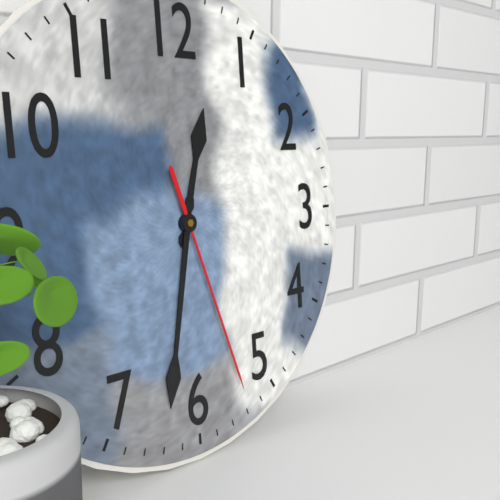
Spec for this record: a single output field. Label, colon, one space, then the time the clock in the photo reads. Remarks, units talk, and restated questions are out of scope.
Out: 12:32:27
